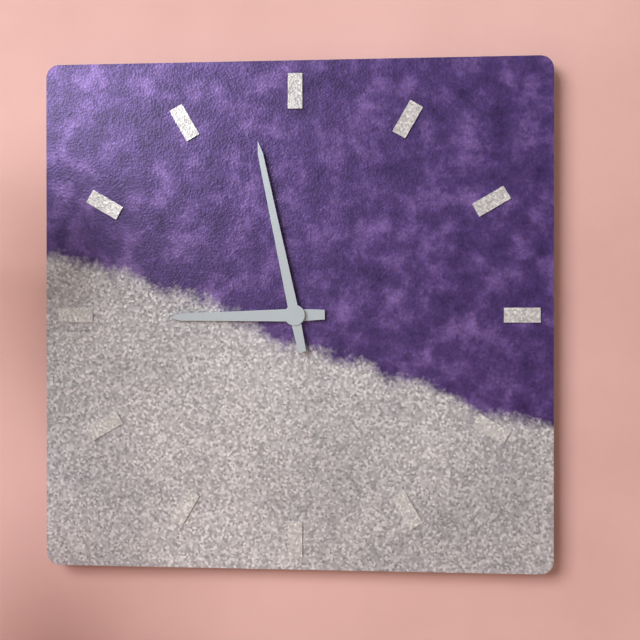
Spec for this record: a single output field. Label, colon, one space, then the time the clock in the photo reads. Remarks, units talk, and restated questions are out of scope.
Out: 8:58
